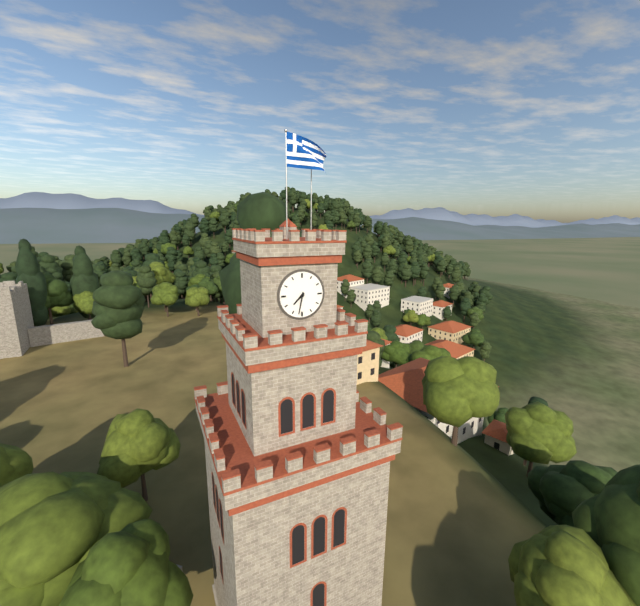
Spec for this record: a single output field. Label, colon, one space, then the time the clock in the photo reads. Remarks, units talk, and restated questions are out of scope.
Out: 7:32
